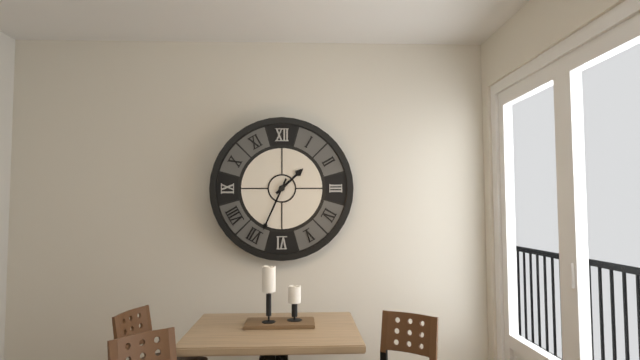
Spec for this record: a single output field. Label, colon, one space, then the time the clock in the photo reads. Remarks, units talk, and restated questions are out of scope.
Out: 1:34
